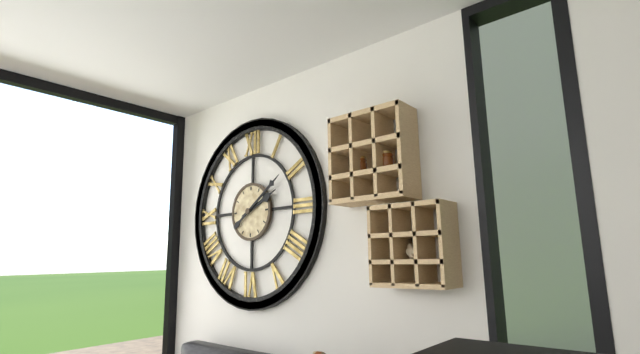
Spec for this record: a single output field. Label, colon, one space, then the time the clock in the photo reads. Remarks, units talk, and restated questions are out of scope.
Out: 2:09
